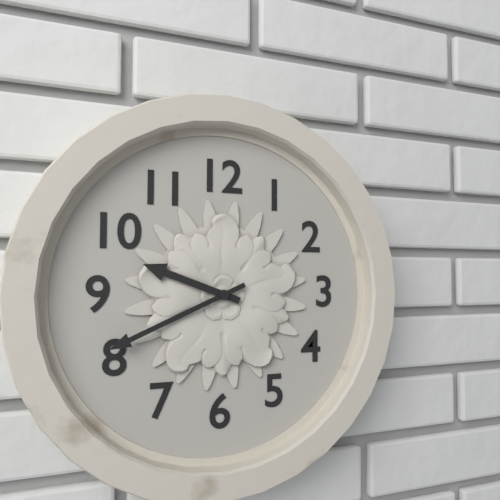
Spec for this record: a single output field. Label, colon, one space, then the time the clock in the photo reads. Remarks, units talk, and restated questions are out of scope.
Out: 9:41
